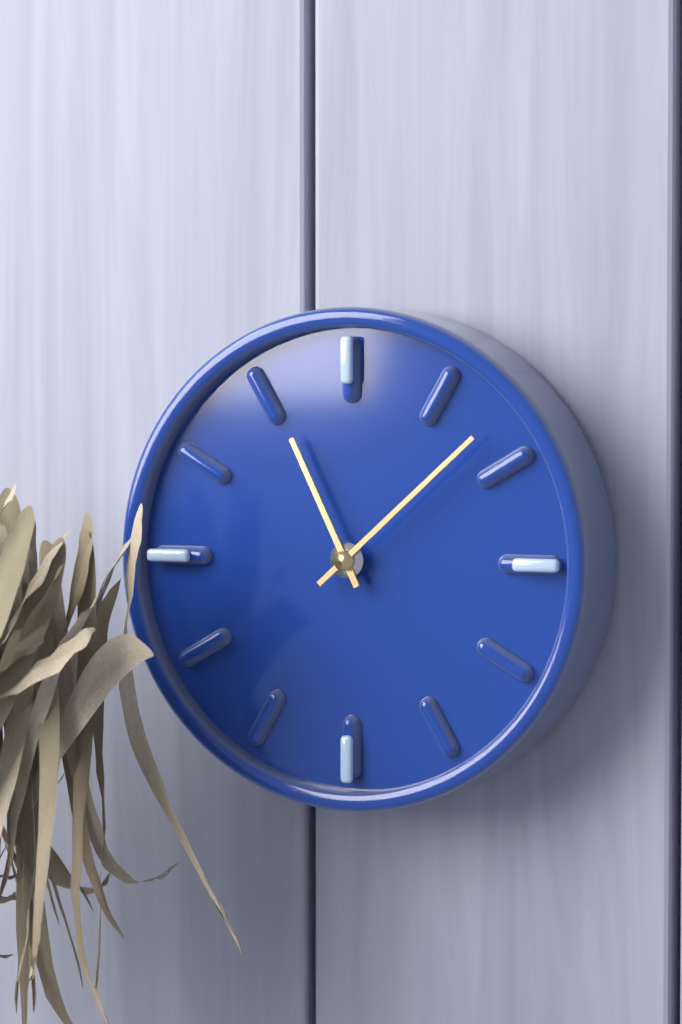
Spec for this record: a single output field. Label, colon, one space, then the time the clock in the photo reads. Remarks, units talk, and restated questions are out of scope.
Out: 11:08
